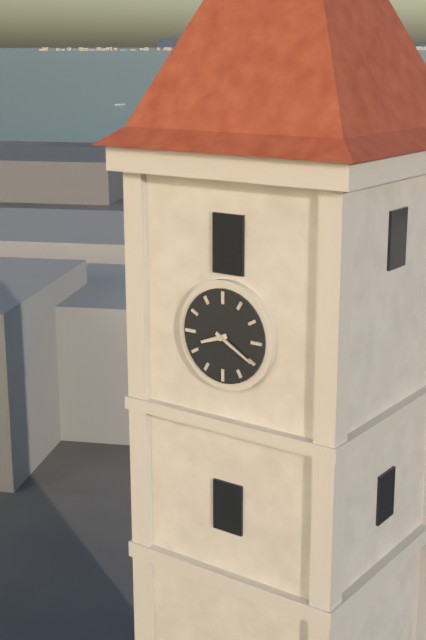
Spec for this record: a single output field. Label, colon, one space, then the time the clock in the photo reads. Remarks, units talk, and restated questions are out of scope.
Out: 8:20
